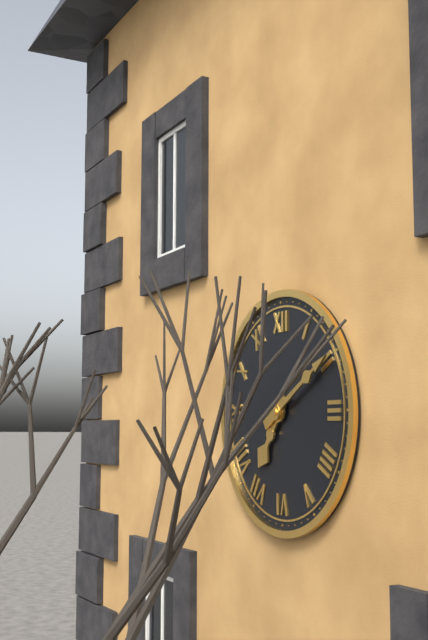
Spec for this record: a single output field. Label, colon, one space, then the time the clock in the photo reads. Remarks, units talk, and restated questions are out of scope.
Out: 7:10
